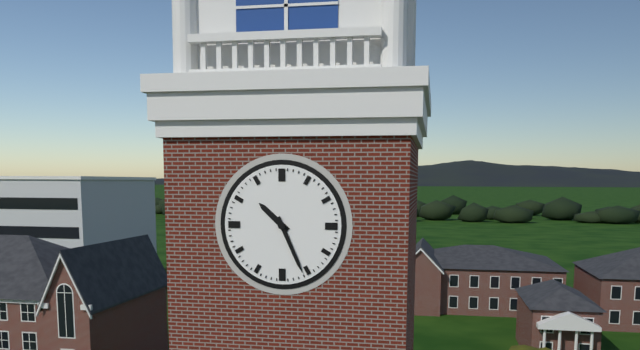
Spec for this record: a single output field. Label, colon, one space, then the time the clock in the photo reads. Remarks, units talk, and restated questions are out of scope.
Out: 10:26
